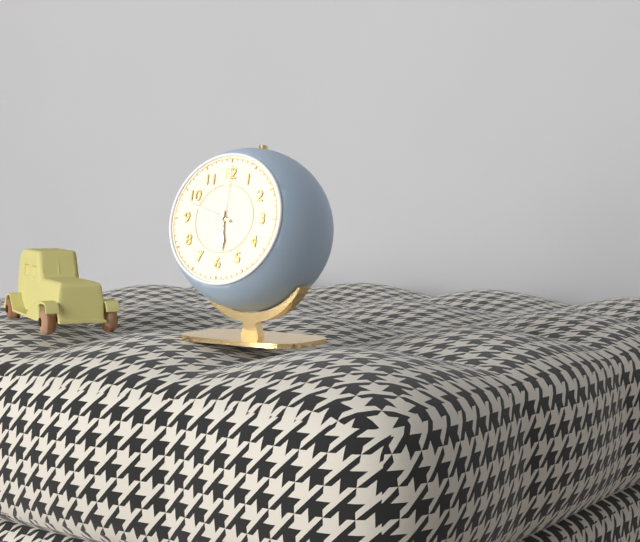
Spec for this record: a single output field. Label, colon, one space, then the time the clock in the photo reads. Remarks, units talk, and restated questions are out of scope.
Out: 5:48:00
